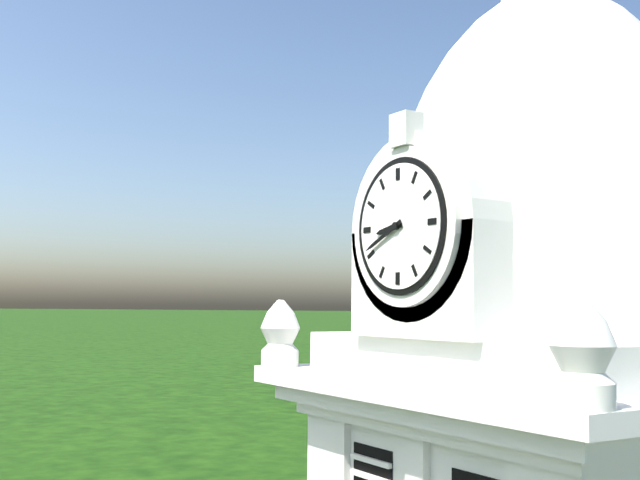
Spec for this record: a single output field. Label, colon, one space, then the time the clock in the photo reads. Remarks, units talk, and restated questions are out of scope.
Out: 8:41
